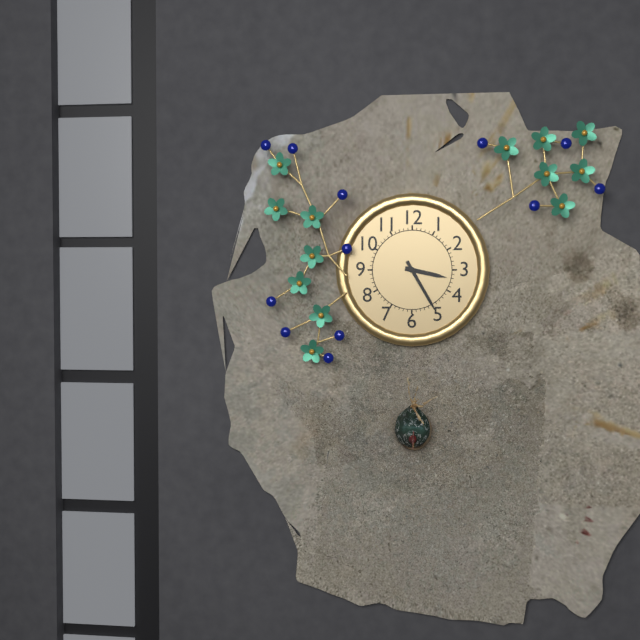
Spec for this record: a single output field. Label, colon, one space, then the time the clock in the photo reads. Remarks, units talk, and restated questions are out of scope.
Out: 3:25
